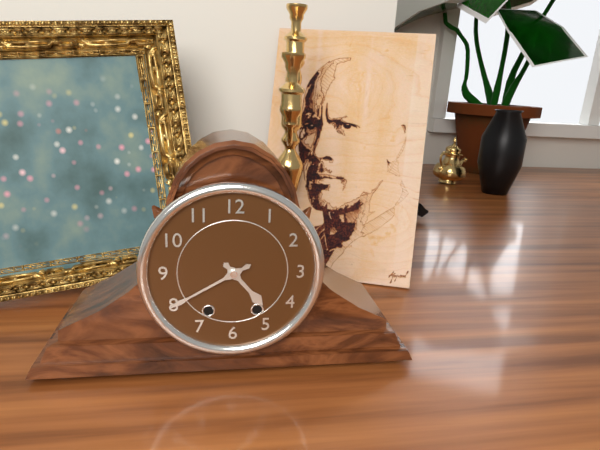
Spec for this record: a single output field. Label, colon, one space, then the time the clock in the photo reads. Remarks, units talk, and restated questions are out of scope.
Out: 4:40
